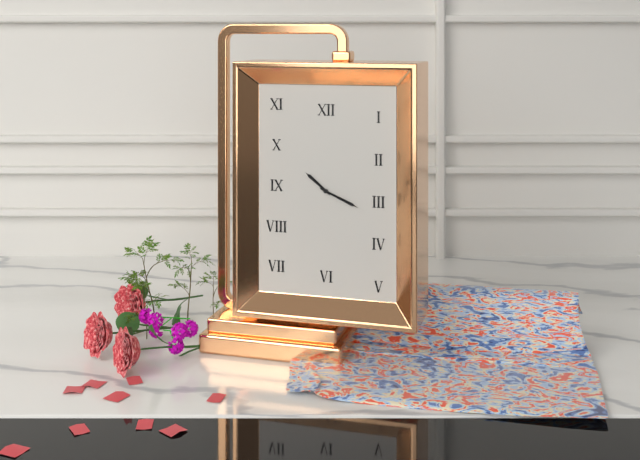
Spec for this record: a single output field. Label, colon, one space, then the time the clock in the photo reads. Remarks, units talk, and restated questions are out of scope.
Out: 10:19
